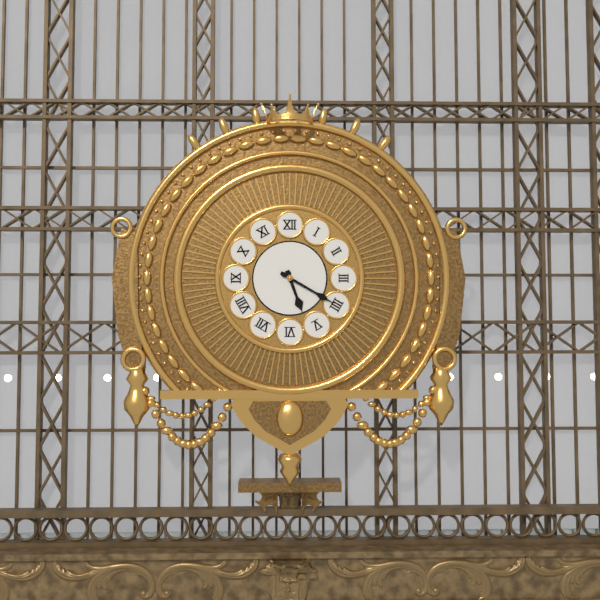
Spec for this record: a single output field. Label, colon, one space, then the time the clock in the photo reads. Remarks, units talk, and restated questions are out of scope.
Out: 5:20
